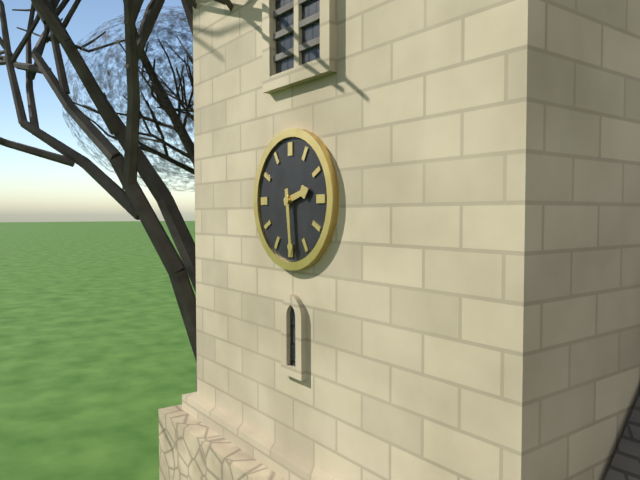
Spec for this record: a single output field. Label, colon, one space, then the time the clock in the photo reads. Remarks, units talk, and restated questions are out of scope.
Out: 2:29
